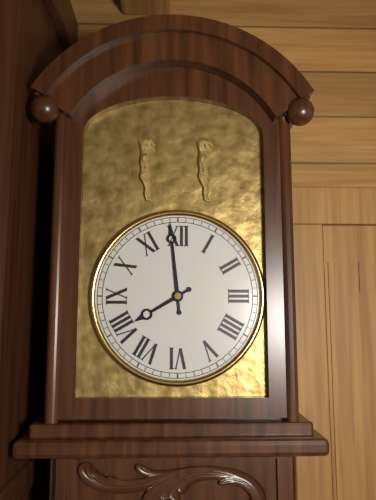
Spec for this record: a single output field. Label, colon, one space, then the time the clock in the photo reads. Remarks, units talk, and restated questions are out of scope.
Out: 7:59
